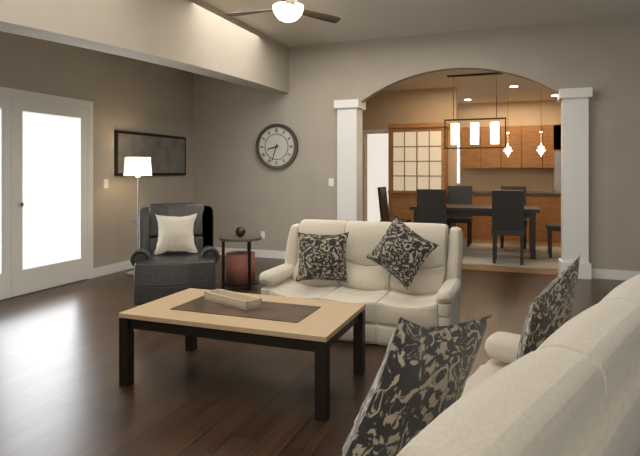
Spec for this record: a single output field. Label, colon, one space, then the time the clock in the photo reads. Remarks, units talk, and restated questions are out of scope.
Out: 8:33
